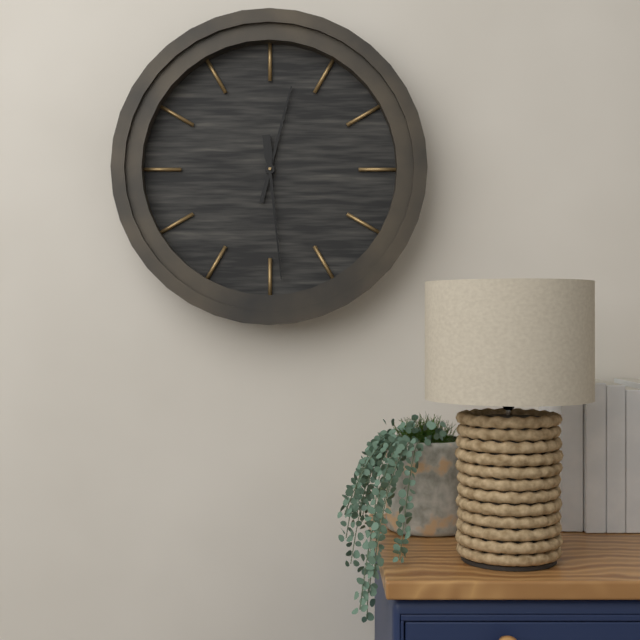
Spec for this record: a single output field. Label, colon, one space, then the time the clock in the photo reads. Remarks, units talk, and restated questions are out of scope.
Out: 12:29
